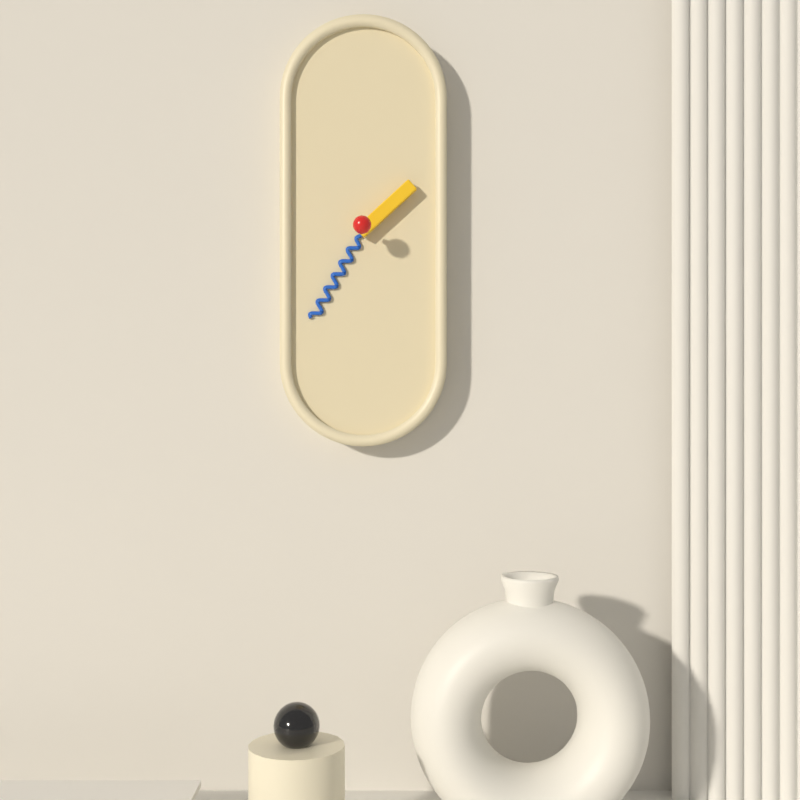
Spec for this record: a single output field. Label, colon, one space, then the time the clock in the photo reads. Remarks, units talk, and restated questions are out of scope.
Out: 1:35
